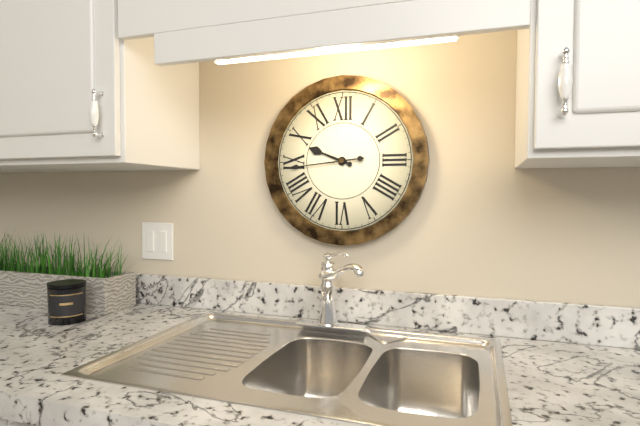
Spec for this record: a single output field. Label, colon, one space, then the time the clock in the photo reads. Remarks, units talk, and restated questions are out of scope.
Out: 9:44
